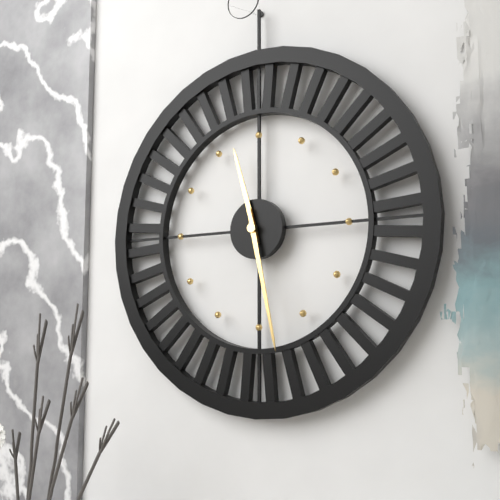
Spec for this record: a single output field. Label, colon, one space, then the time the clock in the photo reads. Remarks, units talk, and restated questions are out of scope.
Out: 11:28
